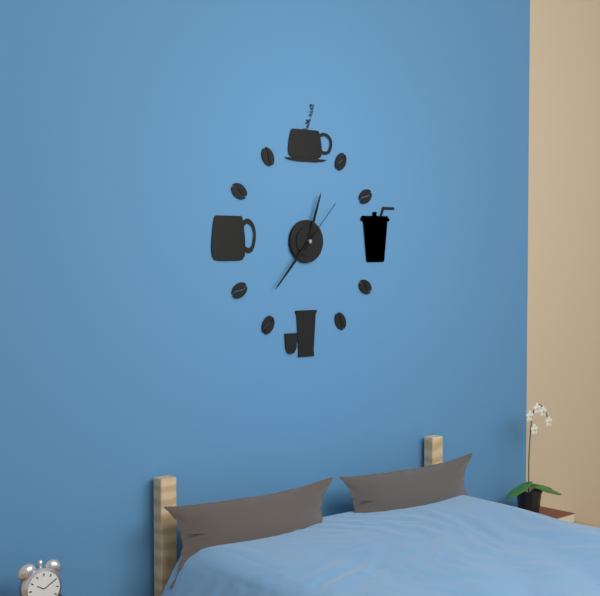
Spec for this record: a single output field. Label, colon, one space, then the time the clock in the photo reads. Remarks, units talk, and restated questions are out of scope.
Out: 12:37:07
